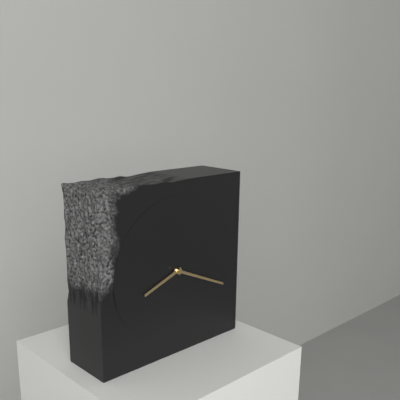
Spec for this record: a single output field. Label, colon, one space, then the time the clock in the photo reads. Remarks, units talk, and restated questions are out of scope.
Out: 8:19
